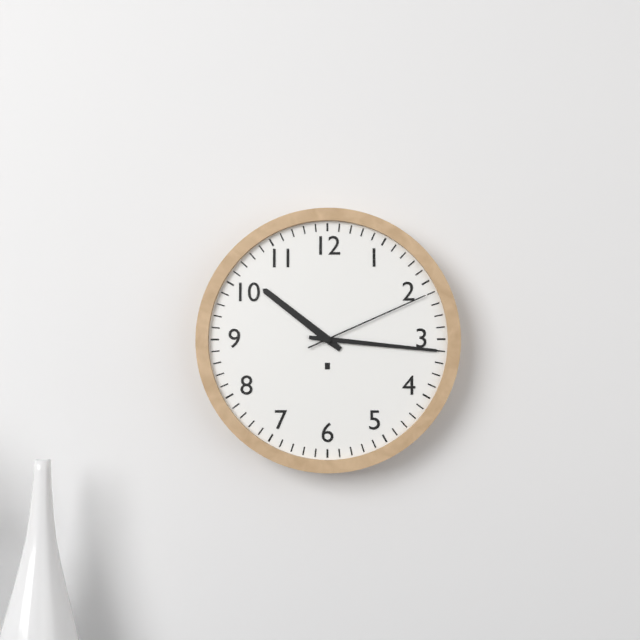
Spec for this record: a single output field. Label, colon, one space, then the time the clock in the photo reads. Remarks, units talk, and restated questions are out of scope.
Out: 10:16:11
